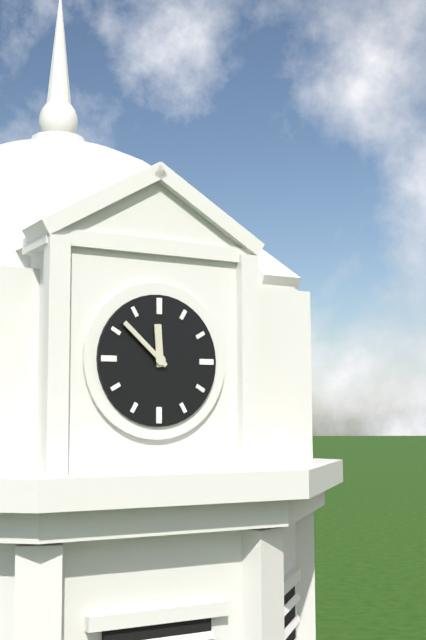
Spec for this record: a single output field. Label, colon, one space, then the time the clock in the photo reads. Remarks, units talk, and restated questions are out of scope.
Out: 11:52
